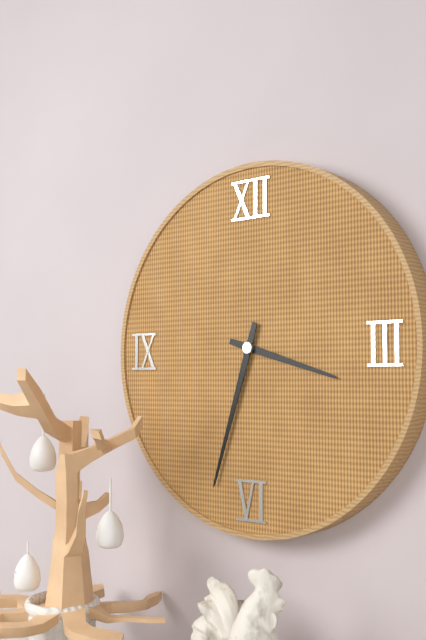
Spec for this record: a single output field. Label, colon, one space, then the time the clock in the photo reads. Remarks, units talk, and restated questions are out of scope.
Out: 3:33
